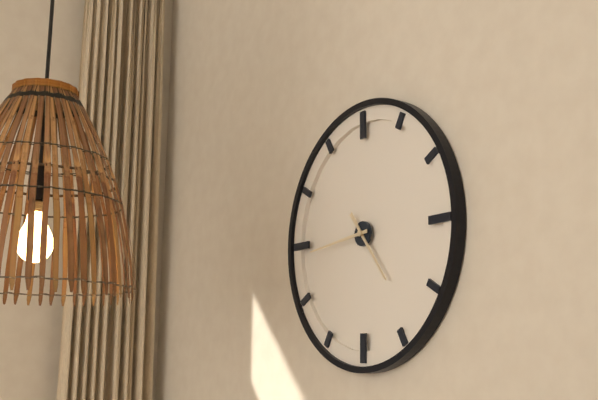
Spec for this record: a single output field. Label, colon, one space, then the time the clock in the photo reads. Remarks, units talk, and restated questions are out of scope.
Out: 4:44
